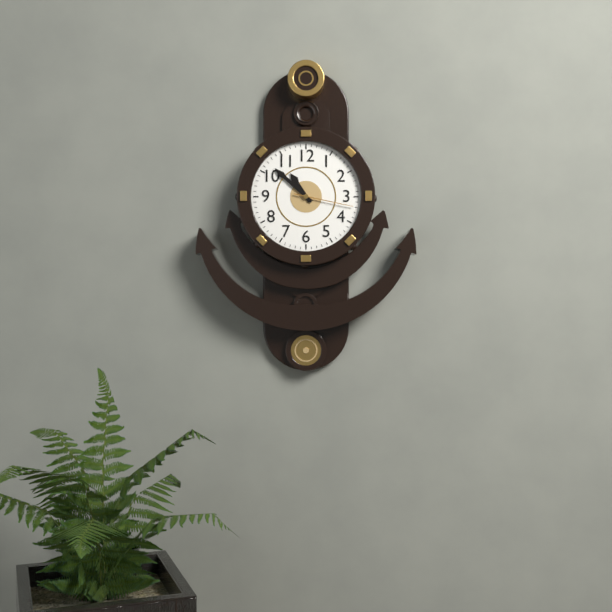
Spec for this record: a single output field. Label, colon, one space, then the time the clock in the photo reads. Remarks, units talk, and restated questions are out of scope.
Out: 10:52:17
